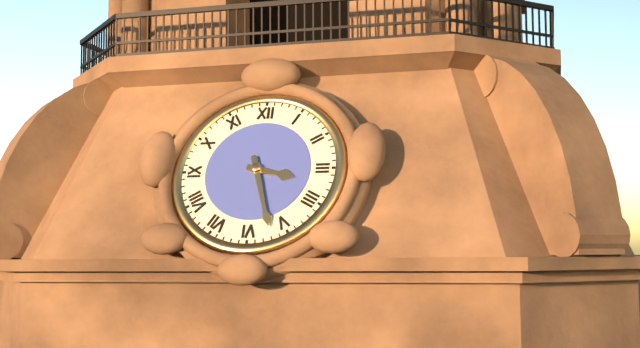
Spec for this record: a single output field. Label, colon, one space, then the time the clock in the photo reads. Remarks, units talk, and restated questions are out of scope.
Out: 3:27
